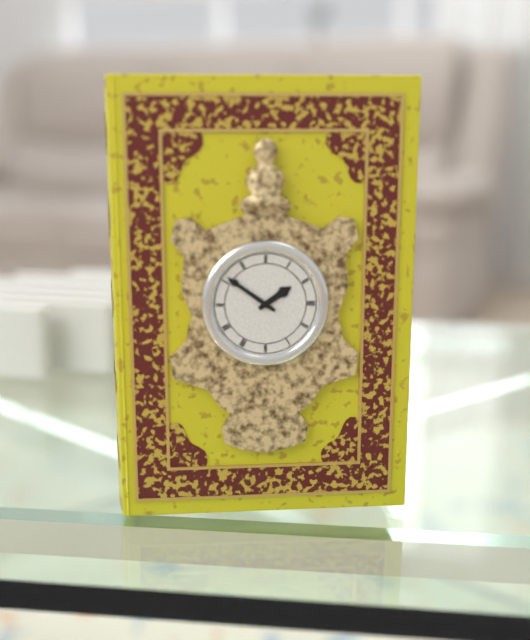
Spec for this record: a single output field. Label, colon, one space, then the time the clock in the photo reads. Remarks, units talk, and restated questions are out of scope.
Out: 1:51
